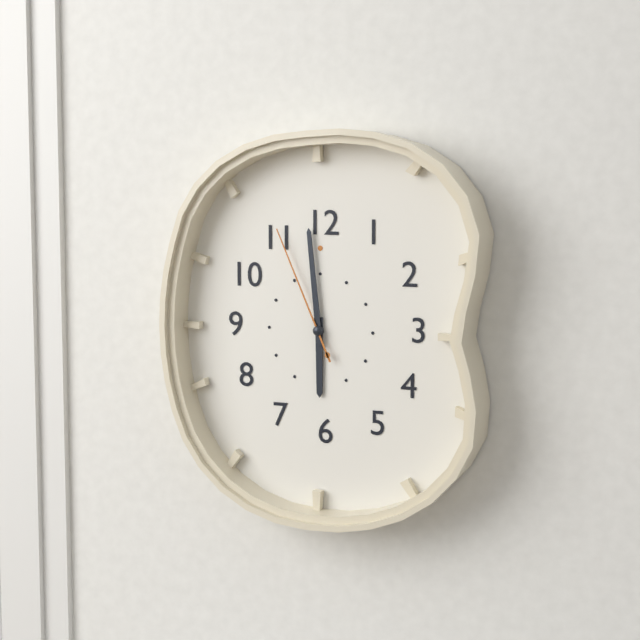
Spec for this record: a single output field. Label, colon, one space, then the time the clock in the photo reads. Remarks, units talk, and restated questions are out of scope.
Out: 5:59:56
